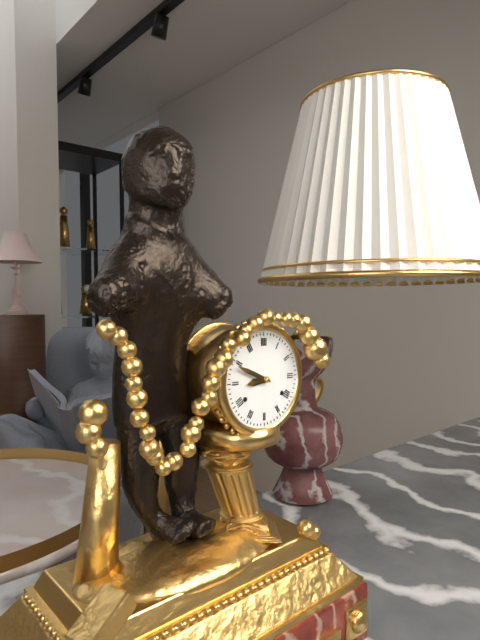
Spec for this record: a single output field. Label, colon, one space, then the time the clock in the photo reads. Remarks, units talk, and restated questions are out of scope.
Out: 8:49
